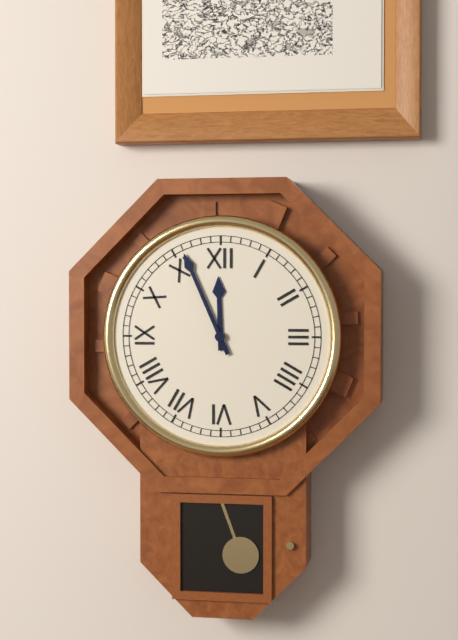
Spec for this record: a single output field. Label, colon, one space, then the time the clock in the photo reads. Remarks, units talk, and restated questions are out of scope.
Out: 11:56
